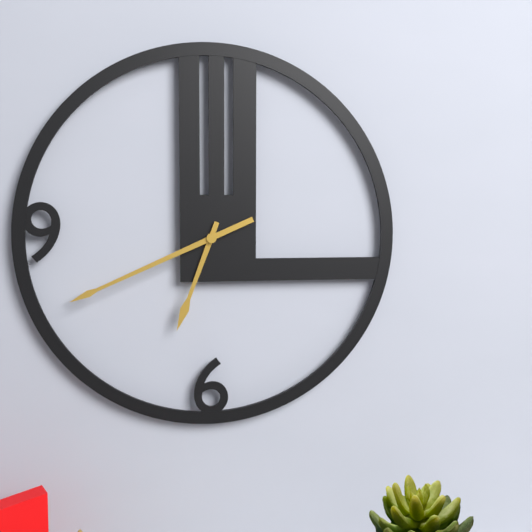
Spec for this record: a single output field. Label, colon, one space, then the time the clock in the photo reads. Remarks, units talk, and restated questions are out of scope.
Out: 6:41
